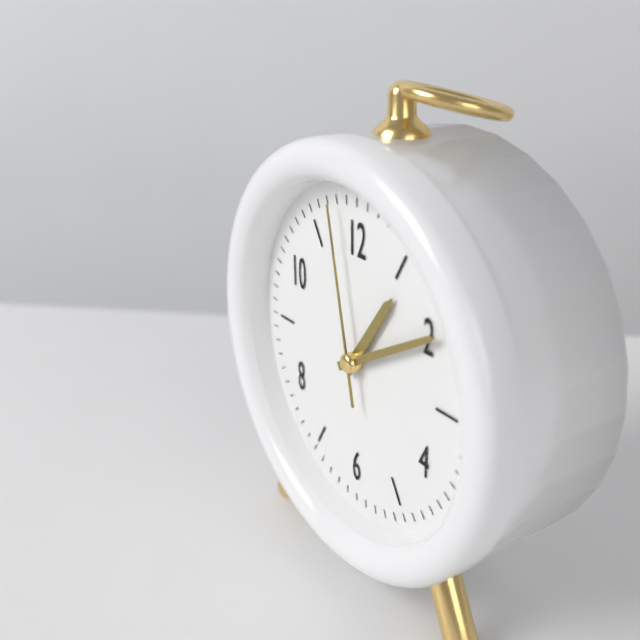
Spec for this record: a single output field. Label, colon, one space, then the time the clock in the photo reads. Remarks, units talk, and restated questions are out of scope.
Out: 1:10:58
